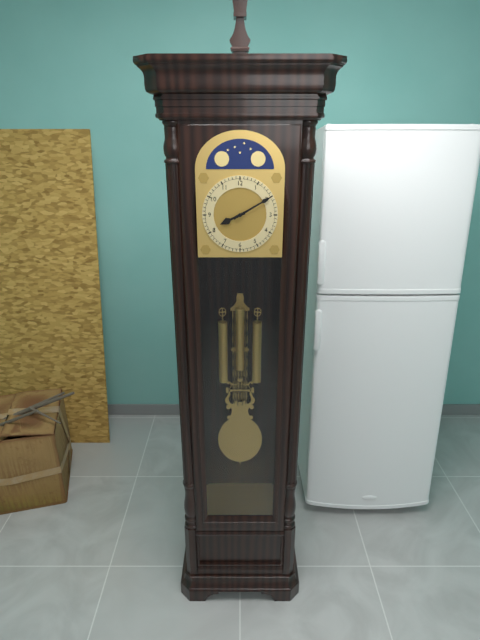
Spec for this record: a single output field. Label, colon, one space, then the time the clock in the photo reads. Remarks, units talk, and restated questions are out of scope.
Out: 8:10
